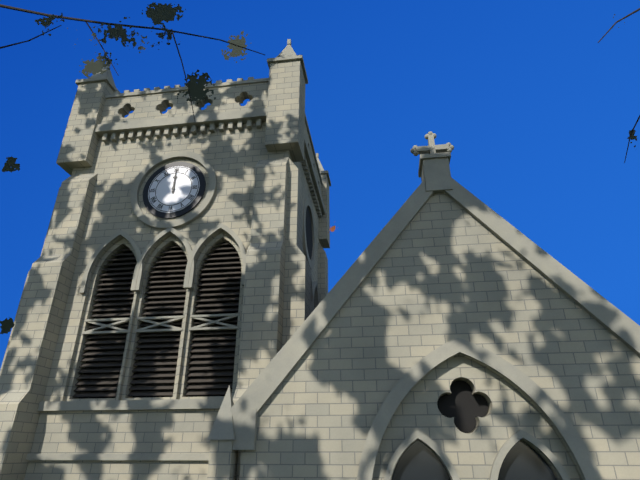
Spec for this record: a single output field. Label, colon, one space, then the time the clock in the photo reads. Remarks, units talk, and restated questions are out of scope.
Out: 12:00
